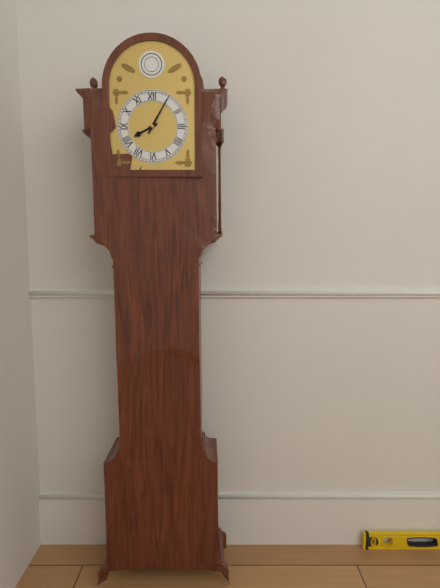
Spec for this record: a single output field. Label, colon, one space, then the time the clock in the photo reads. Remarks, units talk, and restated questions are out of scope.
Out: 8:05
